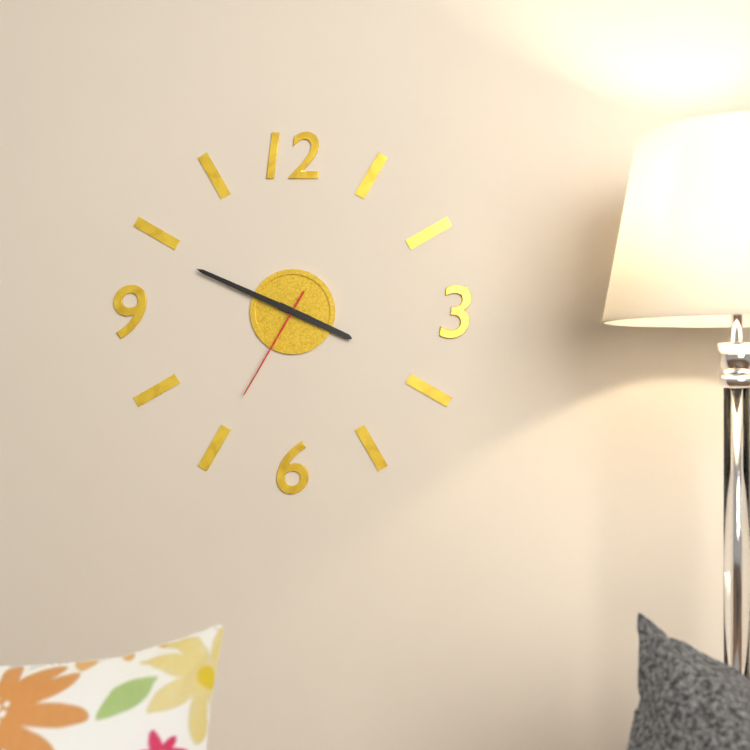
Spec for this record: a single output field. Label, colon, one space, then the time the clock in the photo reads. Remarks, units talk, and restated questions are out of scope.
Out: 3:49:35
